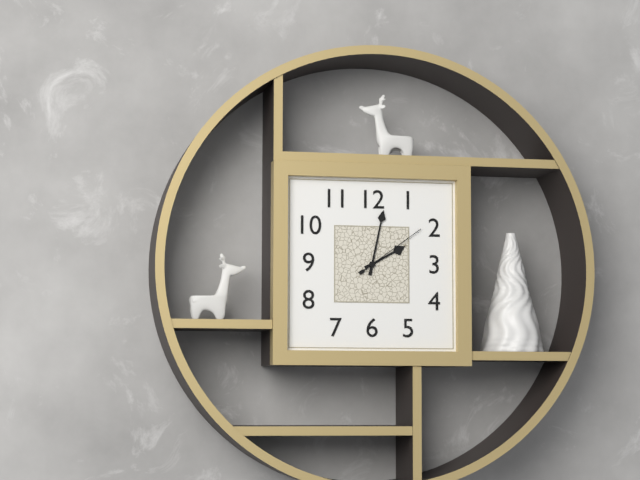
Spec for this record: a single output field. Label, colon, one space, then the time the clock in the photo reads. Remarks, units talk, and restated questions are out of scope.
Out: 2:02:09
